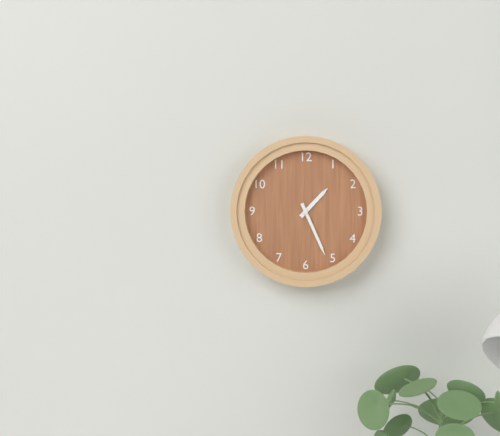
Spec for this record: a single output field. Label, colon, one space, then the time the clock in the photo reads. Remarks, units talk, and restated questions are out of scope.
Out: 1:26
